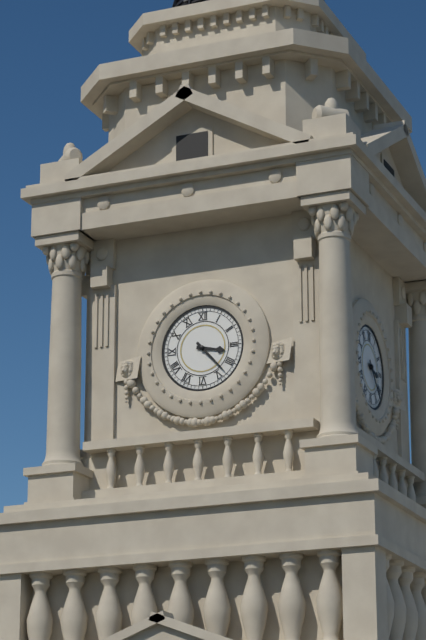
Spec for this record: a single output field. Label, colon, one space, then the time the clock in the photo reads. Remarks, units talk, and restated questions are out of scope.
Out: 3:23
